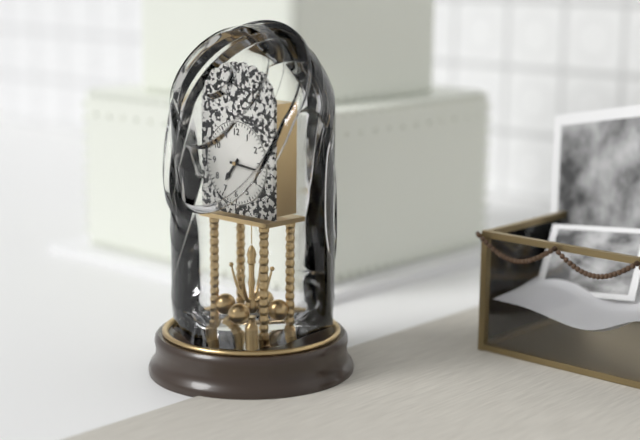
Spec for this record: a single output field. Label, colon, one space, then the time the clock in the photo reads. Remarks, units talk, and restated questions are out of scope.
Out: 7:16
